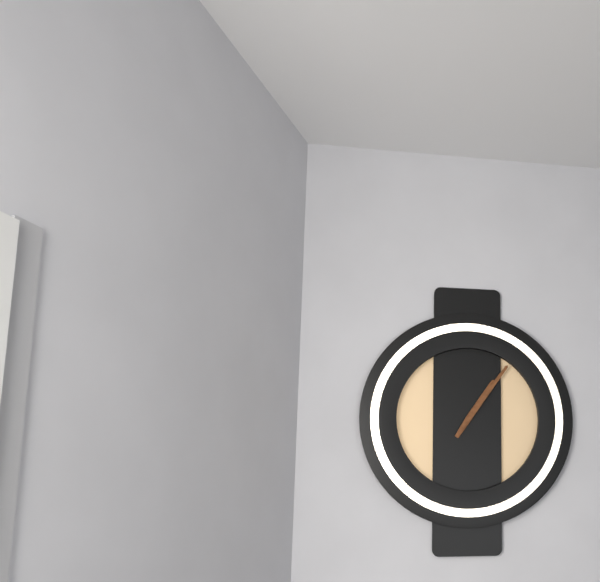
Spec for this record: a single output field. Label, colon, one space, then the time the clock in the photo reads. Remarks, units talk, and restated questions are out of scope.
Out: 1:06
